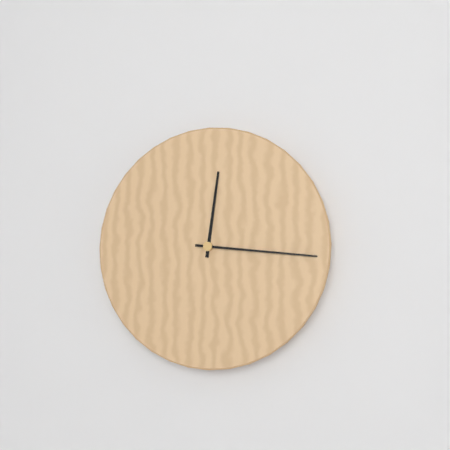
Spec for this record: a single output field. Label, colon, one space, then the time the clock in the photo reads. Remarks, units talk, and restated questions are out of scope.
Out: 12:16
